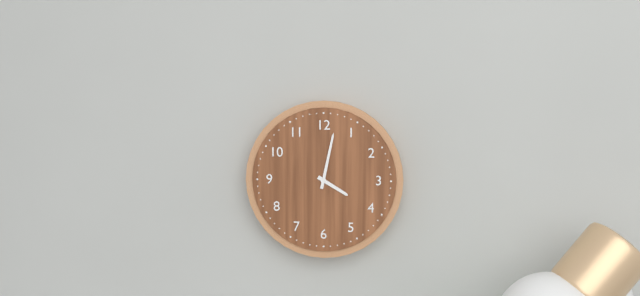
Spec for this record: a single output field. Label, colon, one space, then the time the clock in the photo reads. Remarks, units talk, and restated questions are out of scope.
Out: 4:02
